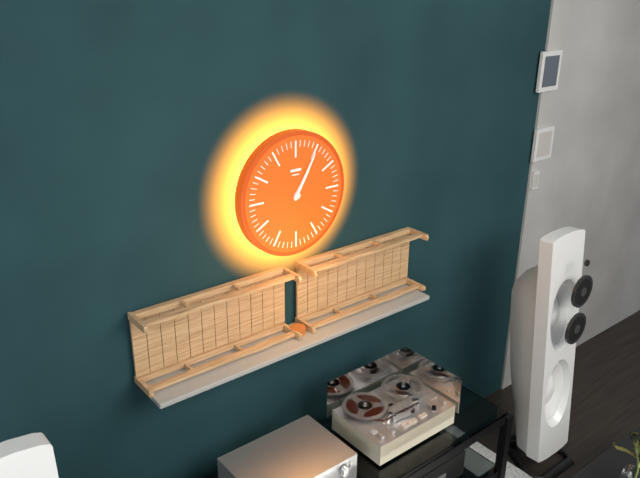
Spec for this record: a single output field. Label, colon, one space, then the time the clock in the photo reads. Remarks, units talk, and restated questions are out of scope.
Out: 1:05
